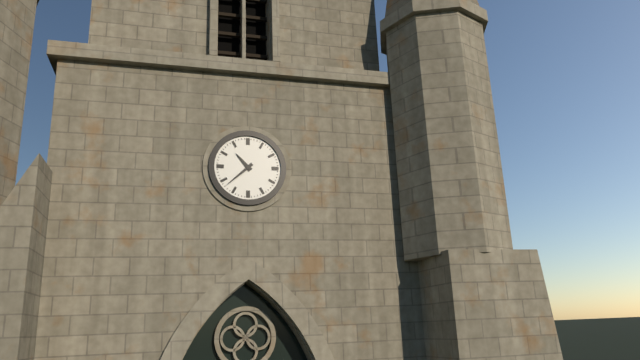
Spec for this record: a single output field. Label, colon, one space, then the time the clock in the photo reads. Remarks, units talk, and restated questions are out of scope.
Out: 10:38
